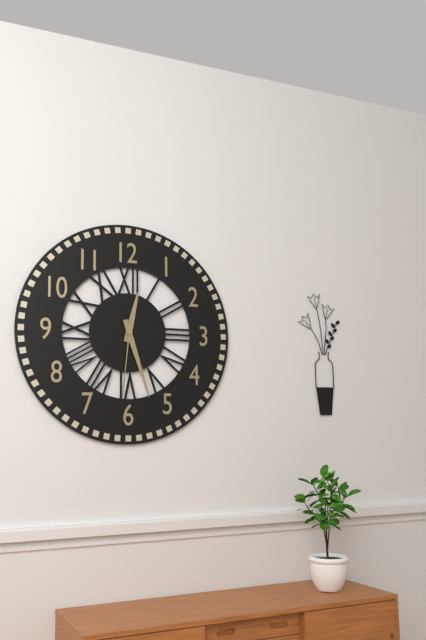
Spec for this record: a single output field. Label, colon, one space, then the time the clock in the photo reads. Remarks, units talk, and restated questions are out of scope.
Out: 12:27:31
